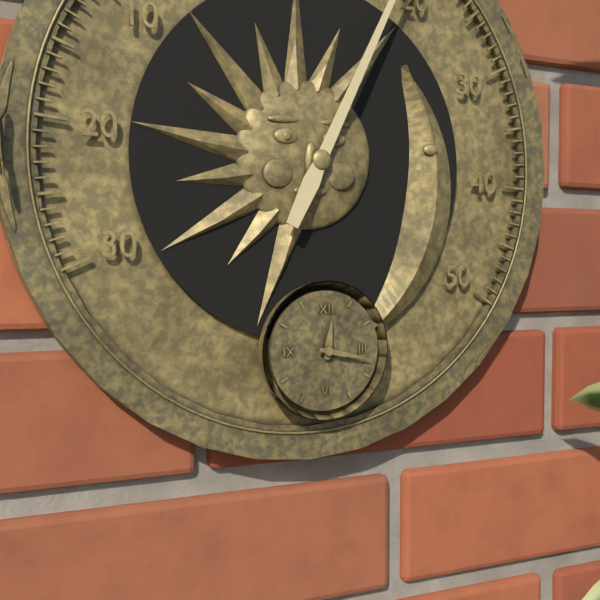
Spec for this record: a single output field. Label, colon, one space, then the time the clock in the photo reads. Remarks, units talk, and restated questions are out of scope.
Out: 12:17
